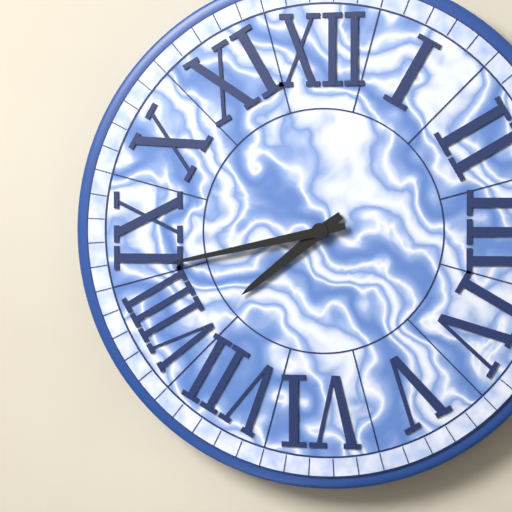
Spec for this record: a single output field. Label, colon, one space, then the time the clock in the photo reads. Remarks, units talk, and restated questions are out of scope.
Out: 7:43
